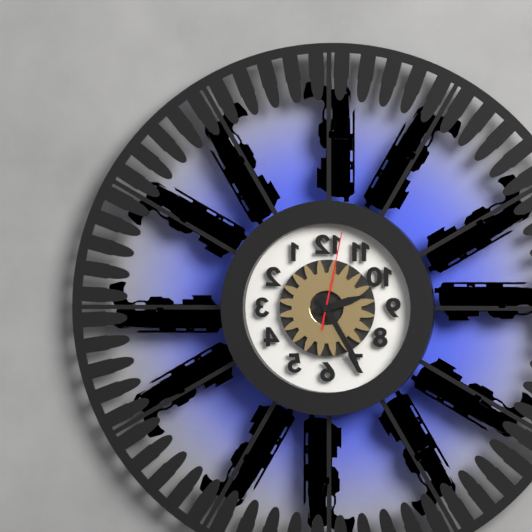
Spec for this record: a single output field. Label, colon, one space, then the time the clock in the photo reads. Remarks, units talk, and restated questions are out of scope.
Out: 2:25:02
